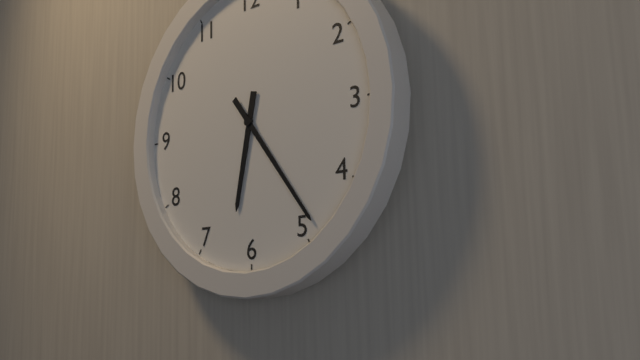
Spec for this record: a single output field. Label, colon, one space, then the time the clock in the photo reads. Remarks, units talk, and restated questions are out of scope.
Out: 6:24
